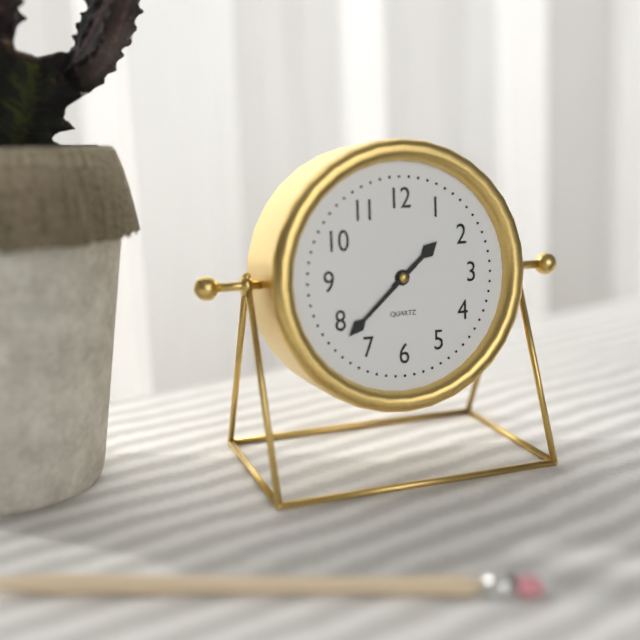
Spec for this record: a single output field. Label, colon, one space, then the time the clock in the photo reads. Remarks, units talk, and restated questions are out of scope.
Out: 1:38
